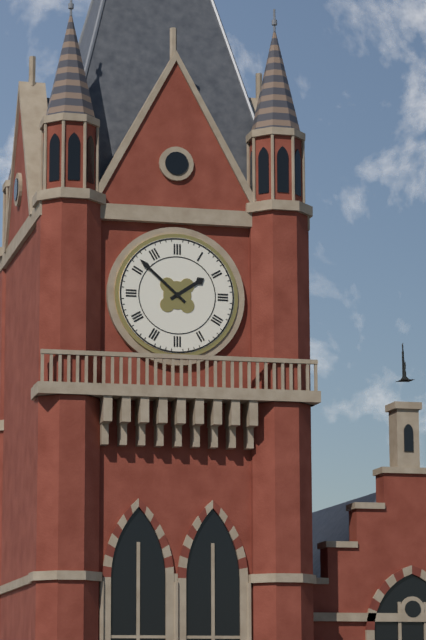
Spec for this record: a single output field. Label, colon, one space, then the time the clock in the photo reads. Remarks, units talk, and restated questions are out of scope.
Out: 1:52
